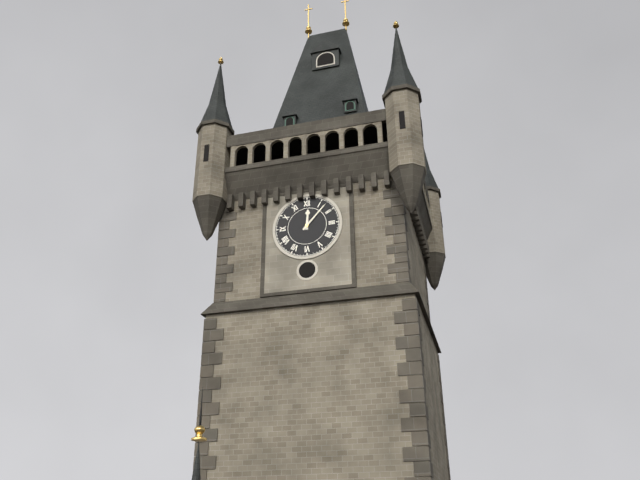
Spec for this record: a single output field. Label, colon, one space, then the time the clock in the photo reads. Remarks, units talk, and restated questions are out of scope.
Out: 12:07
